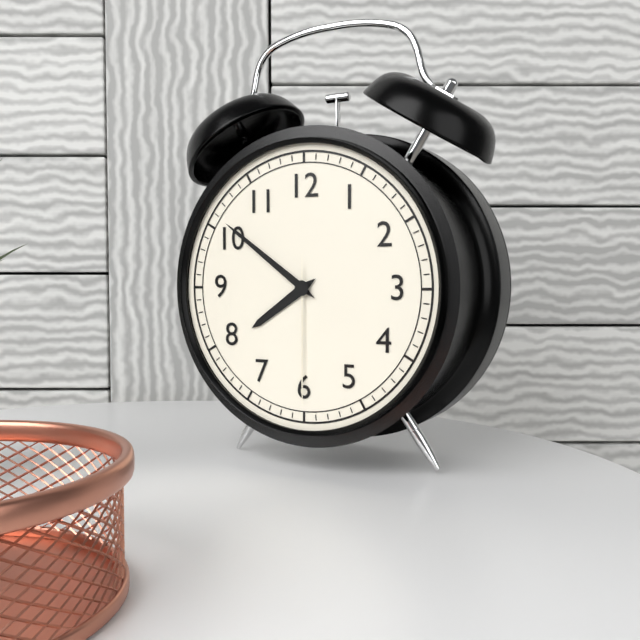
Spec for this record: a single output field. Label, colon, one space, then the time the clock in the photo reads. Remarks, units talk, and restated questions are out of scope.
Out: 7:51:30
